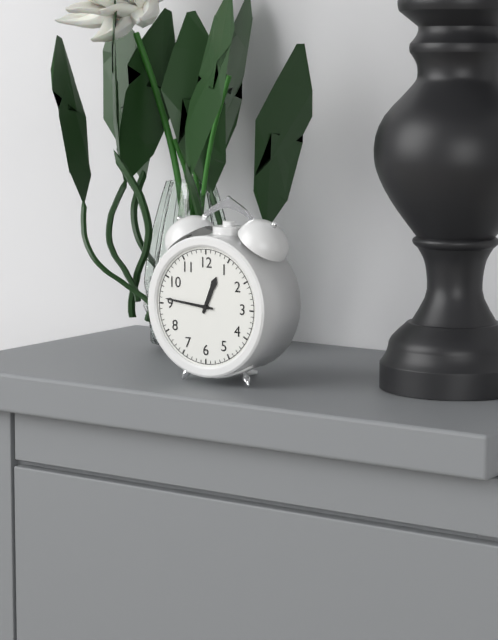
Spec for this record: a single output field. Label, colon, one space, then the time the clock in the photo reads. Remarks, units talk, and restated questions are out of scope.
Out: 12:46
